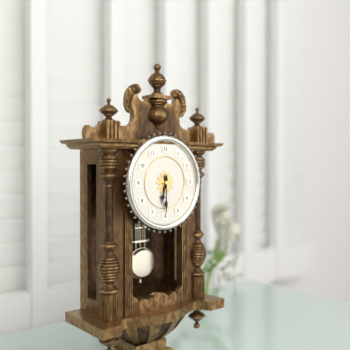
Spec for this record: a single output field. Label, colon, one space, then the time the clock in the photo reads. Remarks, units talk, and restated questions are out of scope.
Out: 6:30
